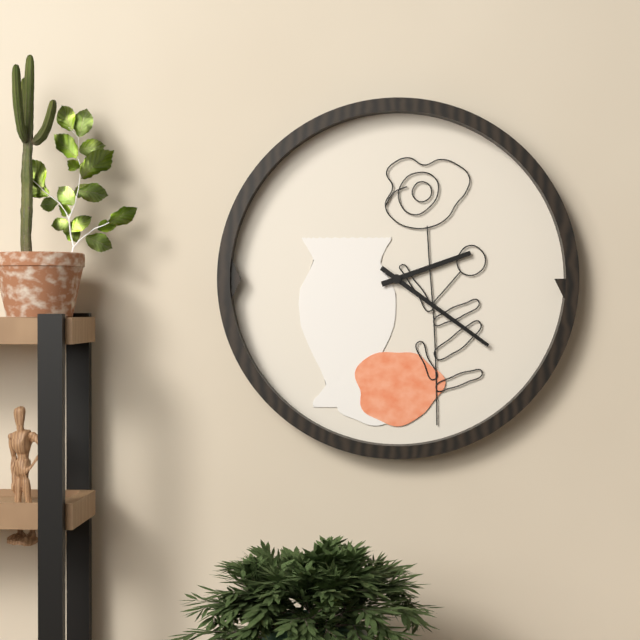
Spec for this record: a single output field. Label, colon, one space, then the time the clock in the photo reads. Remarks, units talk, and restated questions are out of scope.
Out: 2:21
